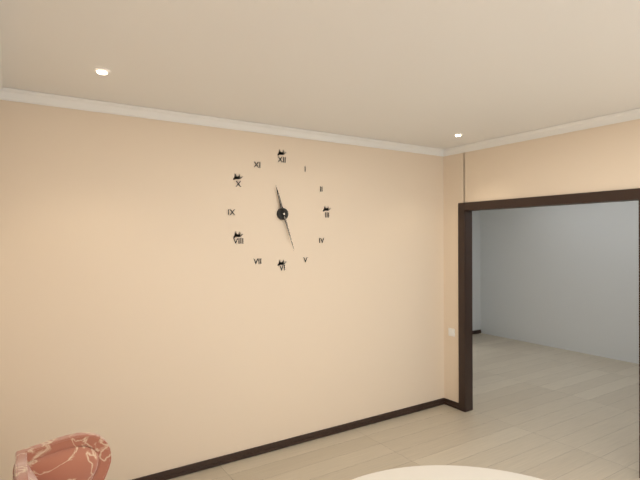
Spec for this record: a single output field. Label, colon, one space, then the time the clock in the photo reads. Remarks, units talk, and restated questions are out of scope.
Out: 11:27
